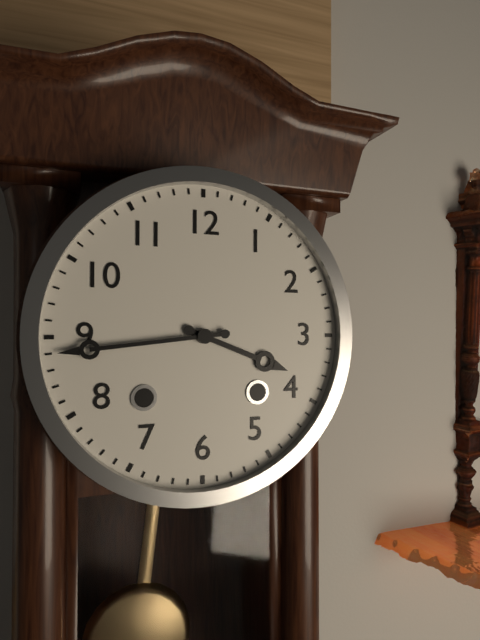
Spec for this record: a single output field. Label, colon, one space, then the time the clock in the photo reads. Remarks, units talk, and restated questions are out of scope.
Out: 3:44
